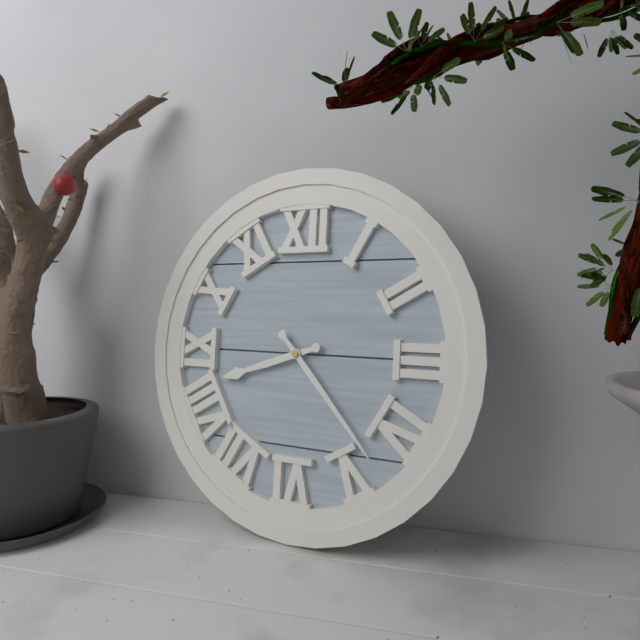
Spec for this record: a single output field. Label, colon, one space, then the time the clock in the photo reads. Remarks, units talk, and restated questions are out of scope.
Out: 8:23
